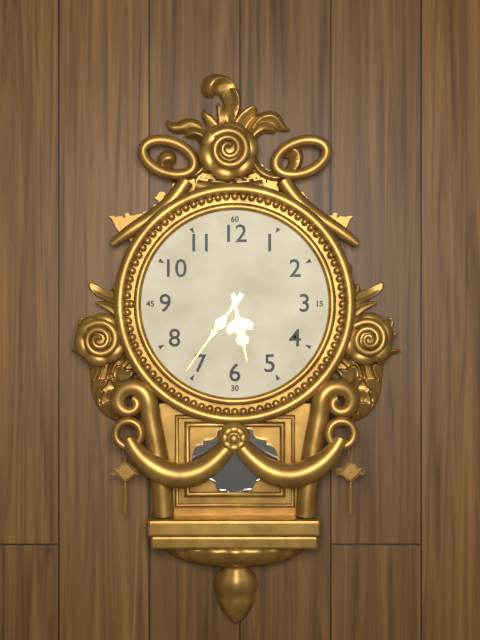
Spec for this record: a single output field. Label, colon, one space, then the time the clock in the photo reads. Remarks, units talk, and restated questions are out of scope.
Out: 5:36
